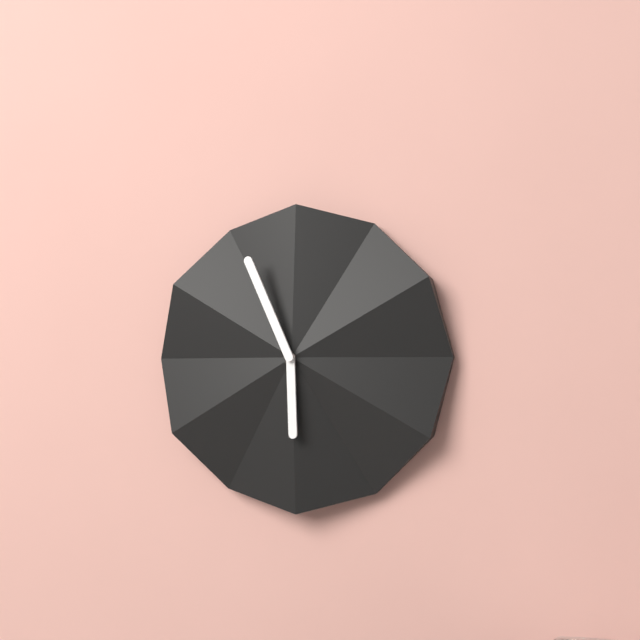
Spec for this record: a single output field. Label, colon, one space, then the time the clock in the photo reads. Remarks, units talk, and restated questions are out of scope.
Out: 5:56
